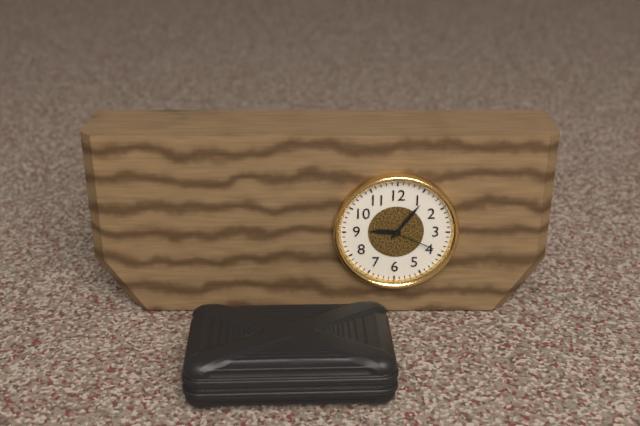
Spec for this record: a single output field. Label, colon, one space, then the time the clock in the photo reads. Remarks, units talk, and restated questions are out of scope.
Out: 9:06:19
